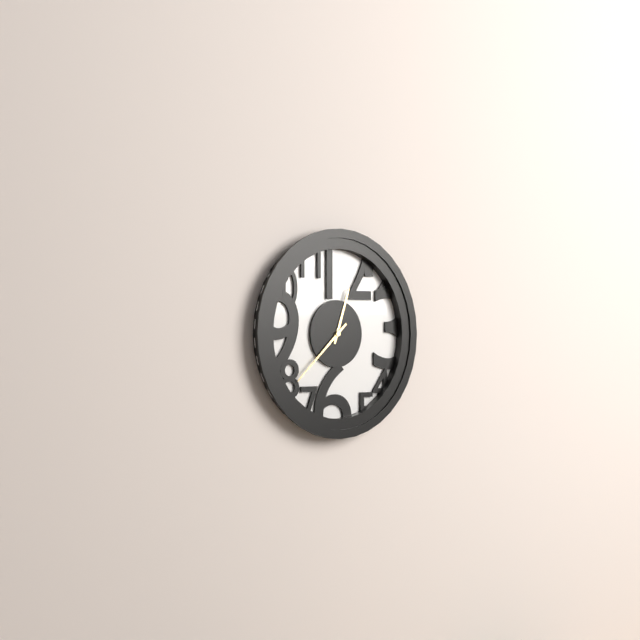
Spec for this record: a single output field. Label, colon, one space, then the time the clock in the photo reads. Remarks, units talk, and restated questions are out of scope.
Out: 12:38
